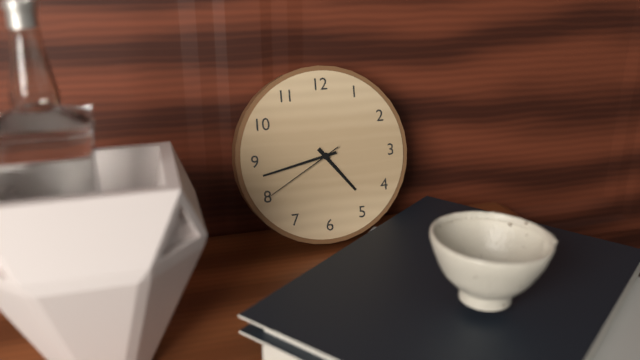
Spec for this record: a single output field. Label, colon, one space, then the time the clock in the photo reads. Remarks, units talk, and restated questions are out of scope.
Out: 4:43:40
